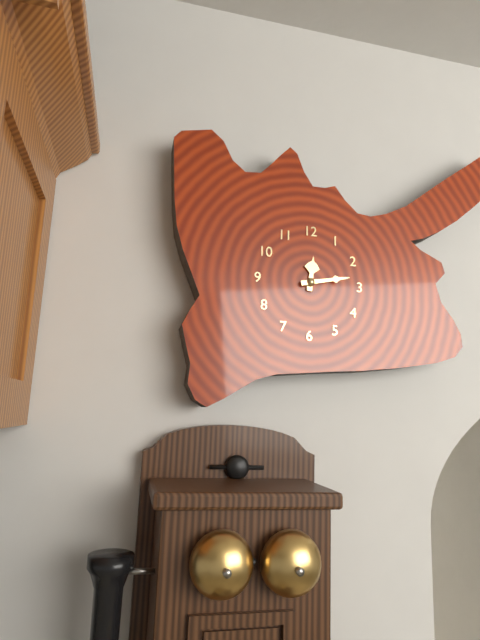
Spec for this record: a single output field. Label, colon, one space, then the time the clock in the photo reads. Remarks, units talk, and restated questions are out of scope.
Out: 12:13
